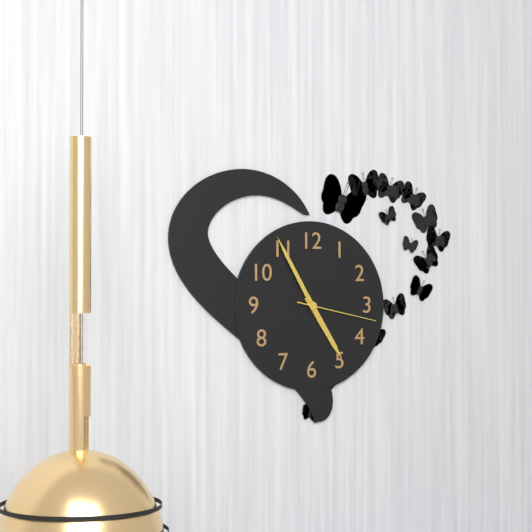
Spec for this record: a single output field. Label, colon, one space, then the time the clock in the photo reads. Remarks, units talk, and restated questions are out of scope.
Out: 4:55:17
